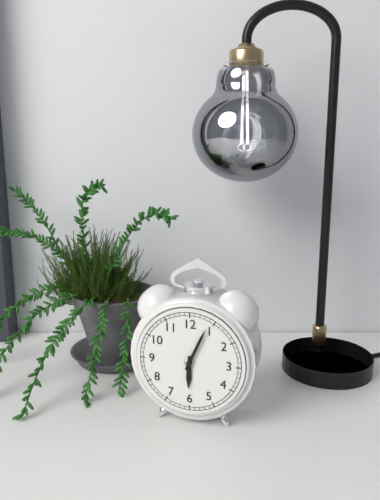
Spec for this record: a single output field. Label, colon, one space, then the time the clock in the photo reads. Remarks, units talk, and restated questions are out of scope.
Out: 6:04
